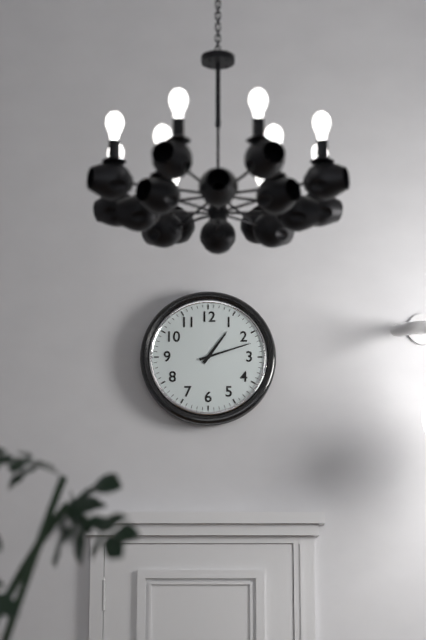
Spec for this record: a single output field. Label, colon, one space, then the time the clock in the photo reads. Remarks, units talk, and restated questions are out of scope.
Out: 1:12
